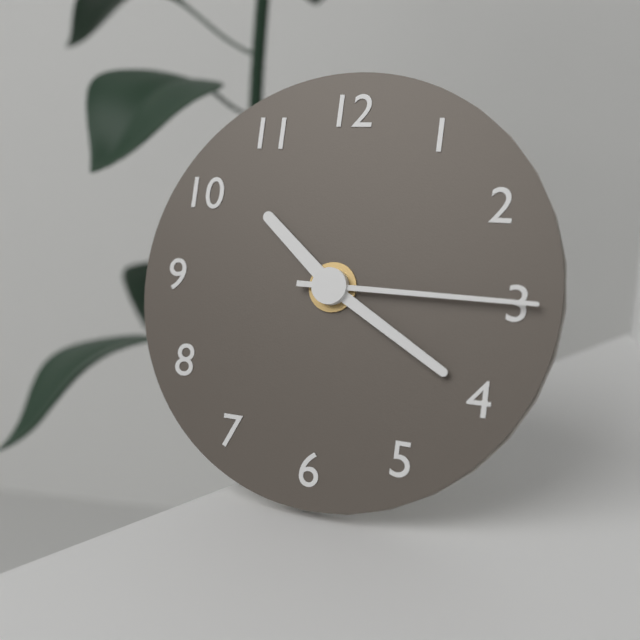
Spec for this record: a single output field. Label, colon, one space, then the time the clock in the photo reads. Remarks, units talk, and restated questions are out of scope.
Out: 10:20:15
